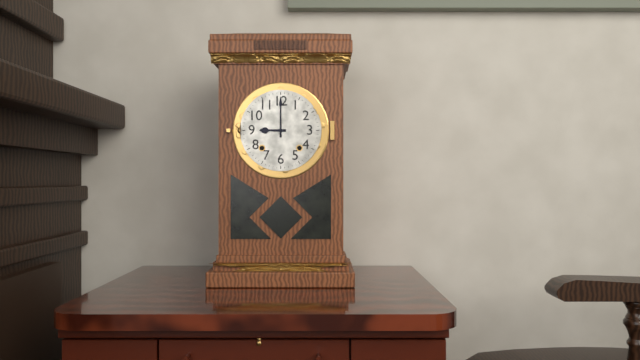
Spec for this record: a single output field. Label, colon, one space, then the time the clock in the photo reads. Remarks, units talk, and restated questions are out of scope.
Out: 9:00
